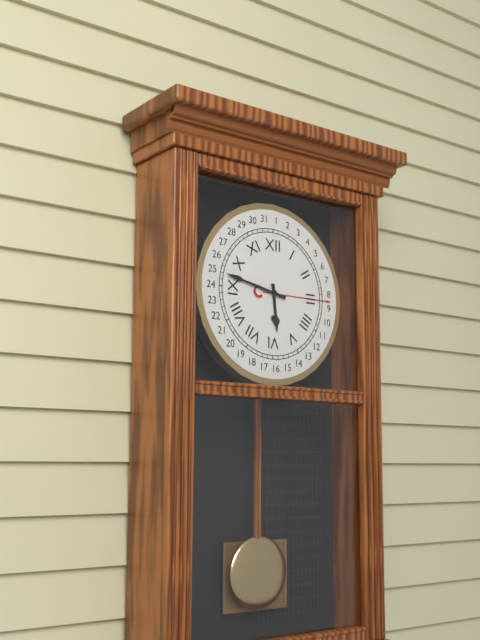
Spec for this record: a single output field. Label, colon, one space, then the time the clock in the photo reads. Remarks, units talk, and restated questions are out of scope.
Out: 5:47
